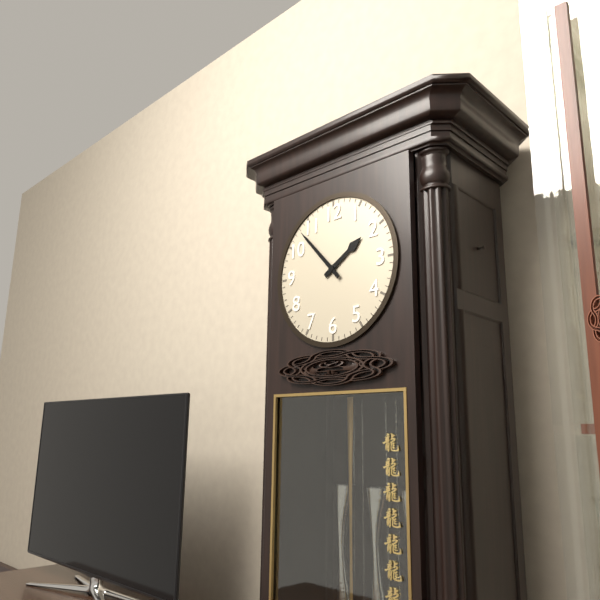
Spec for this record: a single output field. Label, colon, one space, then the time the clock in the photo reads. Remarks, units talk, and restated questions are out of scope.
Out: 1:53
